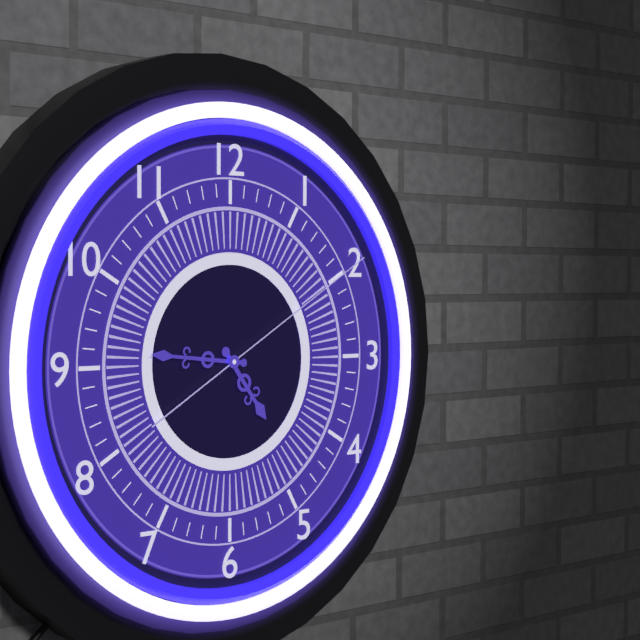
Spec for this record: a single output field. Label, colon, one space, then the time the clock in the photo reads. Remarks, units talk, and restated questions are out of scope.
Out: 4:46:10
